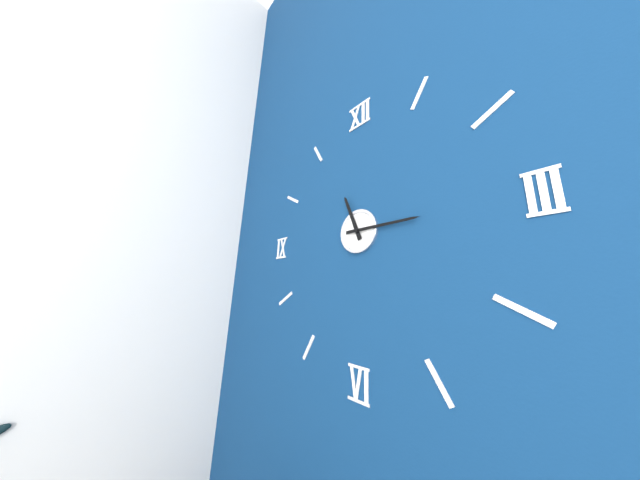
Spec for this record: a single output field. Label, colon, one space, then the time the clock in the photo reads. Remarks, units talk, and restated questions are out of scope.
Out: 11:15
